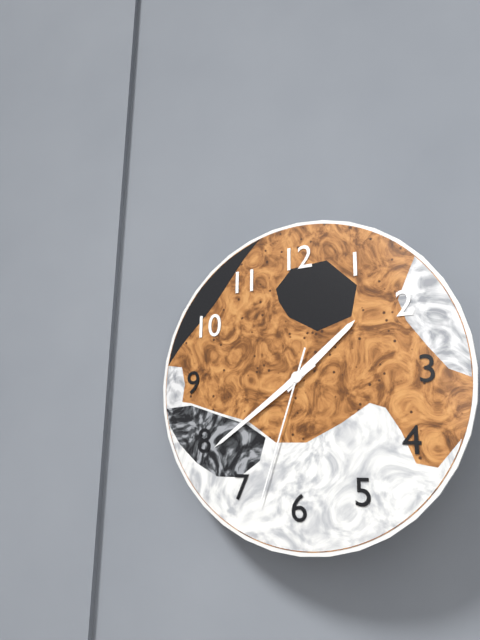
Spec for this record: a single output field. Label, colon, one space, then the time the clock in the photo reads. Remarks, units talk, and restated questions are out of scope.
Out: 1:39:33
